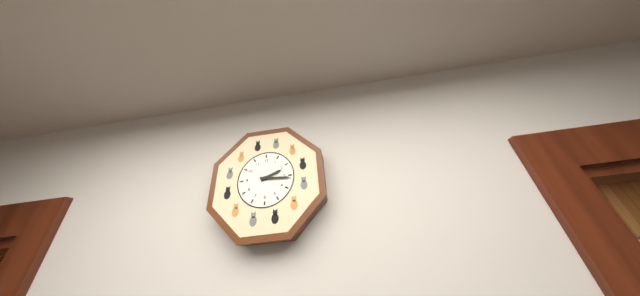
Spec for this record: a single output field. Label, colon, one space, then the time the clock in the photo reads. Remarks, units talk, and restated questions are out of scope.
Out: 2:16
